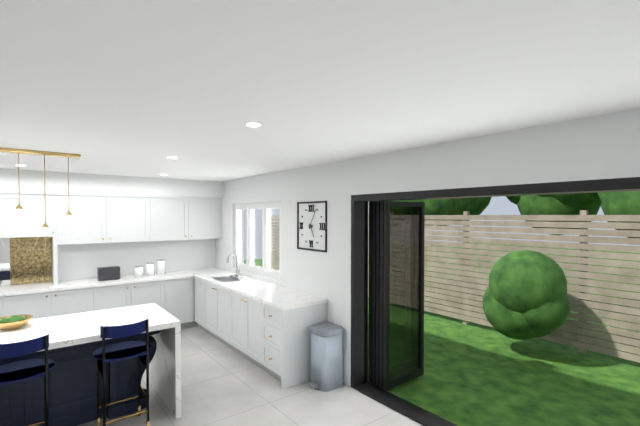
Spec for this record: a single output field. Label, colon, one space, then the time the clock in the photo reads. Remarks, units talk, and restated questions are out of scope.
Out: 5:05
